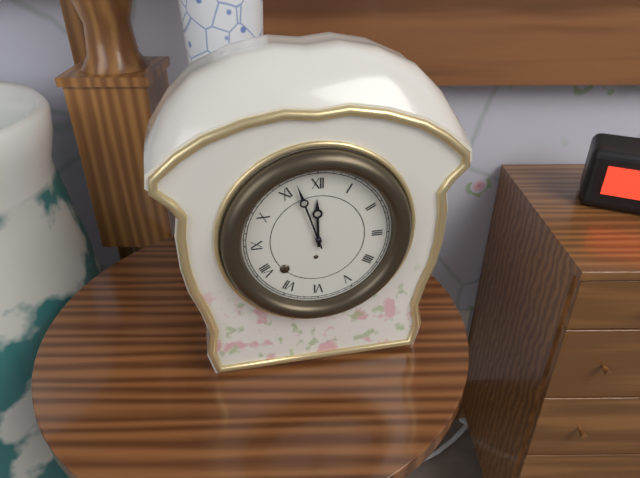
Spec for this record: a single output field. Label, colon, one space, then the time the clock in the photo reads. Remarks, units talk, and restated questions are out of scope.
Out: 11:57
